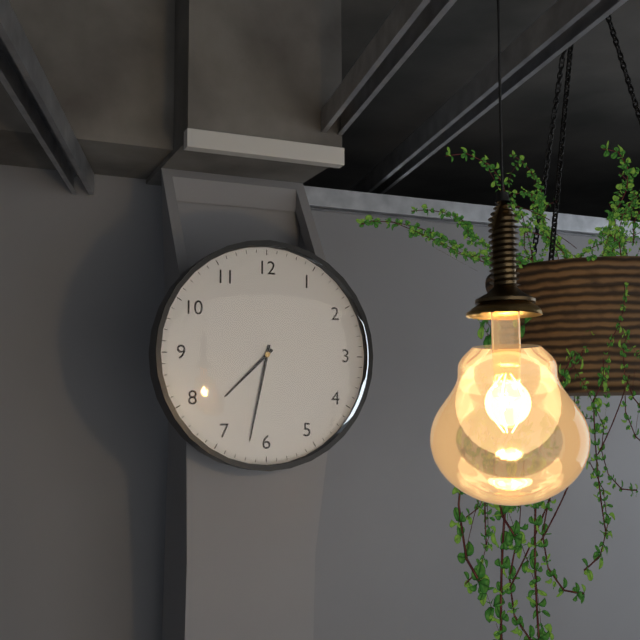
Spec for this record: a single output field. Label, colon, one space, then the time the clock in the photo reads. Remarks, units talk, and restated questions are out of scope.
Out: 7:32
